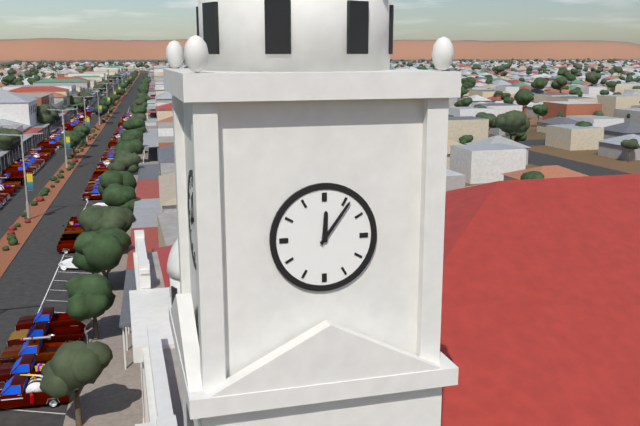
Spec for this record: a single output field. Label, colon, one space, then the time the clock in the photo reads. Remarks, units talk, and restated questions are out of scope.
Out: 12:06
